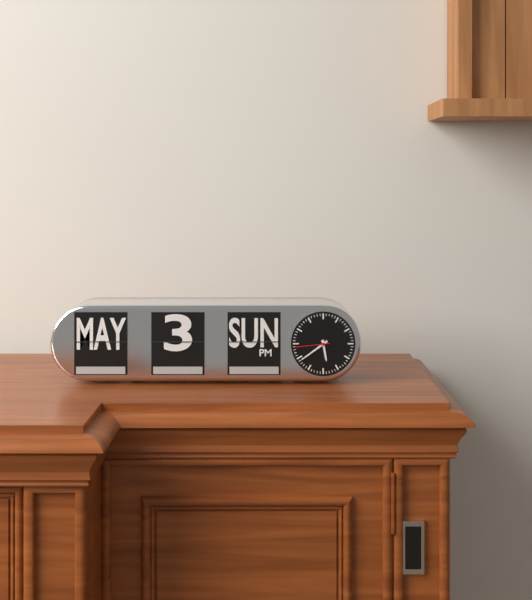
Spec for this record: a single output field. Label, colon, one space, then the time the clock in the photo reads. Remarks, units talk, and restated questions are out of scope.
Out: 5:39
